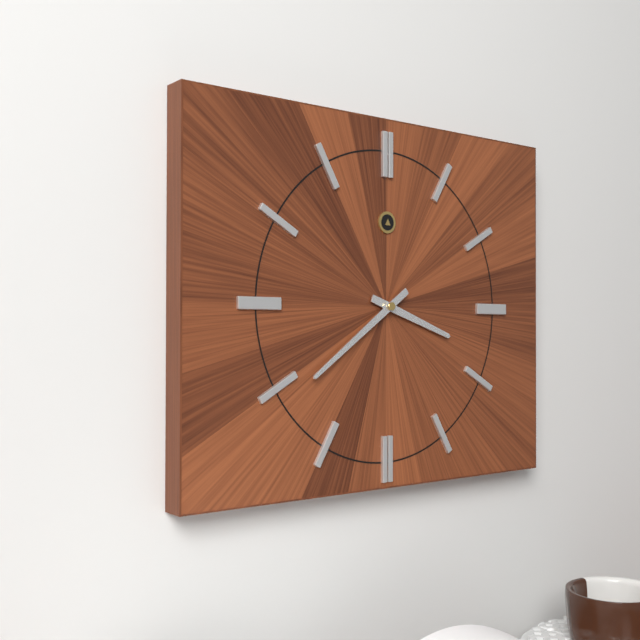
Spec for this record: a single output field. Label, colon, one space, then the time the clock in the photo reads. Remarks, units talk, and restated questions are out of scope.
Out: 3:39
